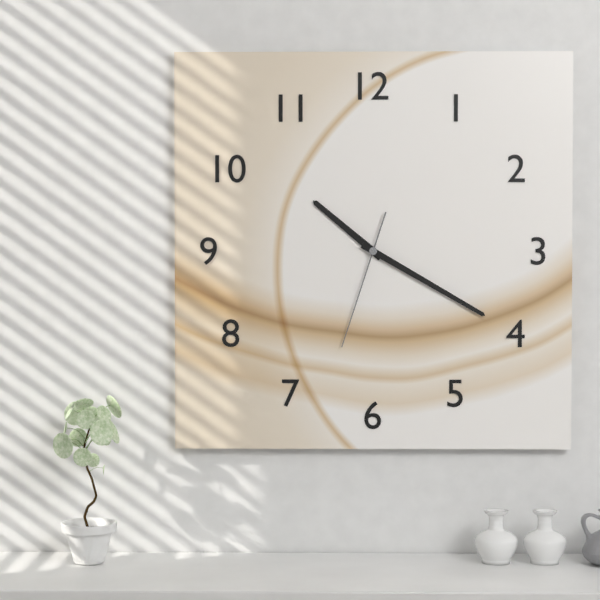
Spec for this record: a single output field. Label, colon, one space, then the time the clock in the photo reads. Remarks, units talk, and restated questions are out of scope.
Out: 10:20:33
